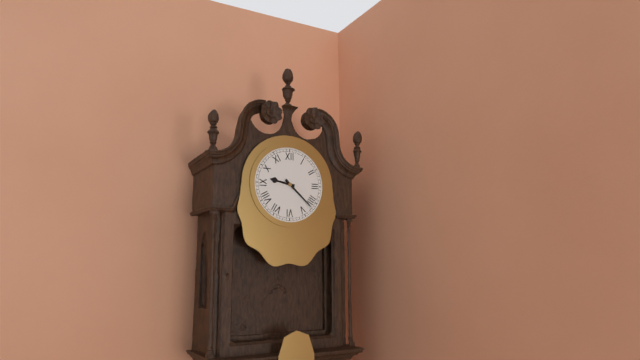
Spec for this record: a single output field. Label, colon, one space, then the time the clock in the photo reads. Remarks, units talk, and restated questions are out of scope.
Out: 9:22
